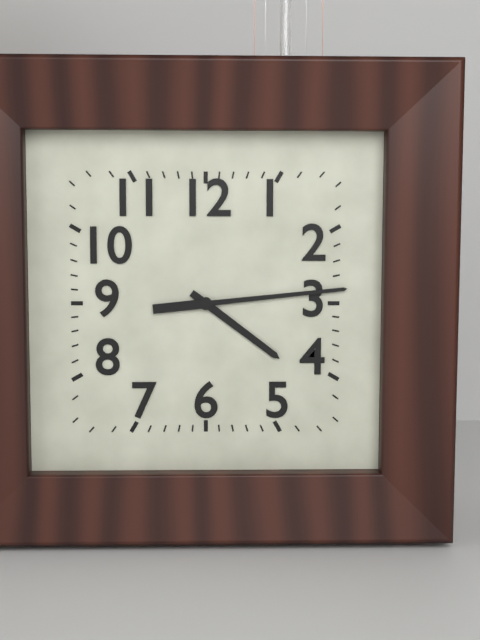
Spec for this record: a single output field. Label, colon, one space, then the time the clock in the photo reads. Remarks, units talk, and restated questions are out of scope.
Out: 4:14
